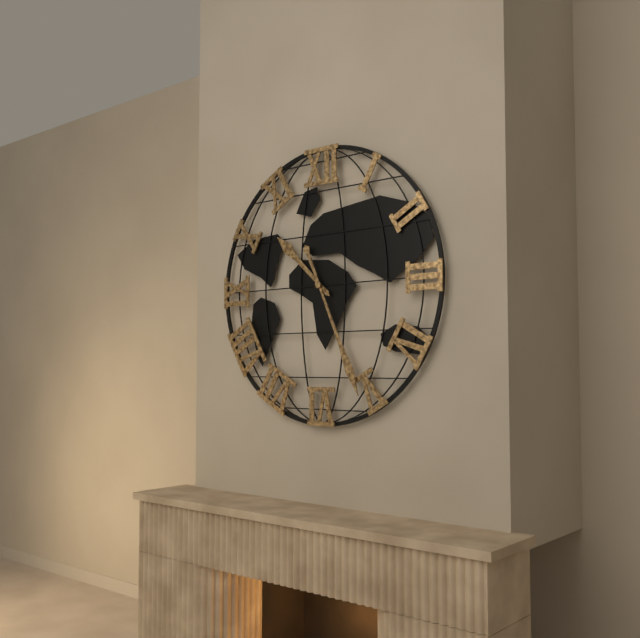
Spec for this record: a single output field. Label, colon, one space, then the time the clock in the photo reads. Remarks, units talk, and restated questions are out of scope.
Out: 10:26
